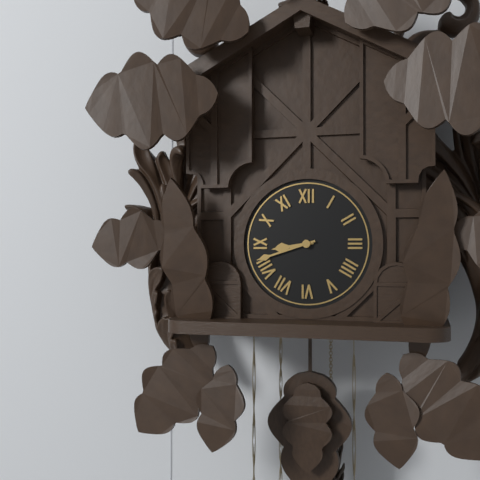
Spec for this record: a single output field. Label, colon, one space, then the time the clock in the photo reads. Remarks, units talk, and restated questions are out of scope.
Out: 8:42
